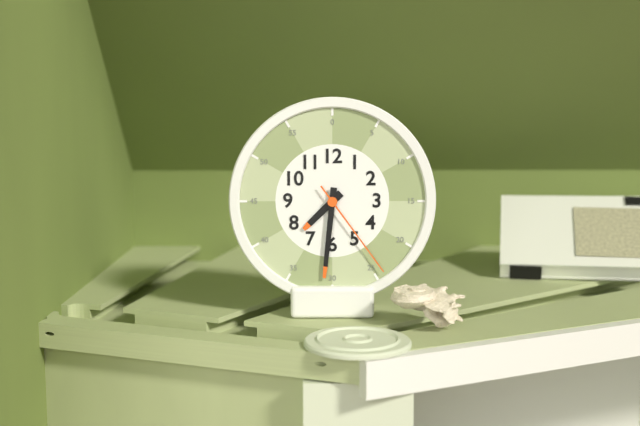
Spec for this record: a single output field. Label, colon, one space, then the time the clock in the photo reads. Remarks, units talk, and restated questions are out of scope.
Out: 7:31:24
